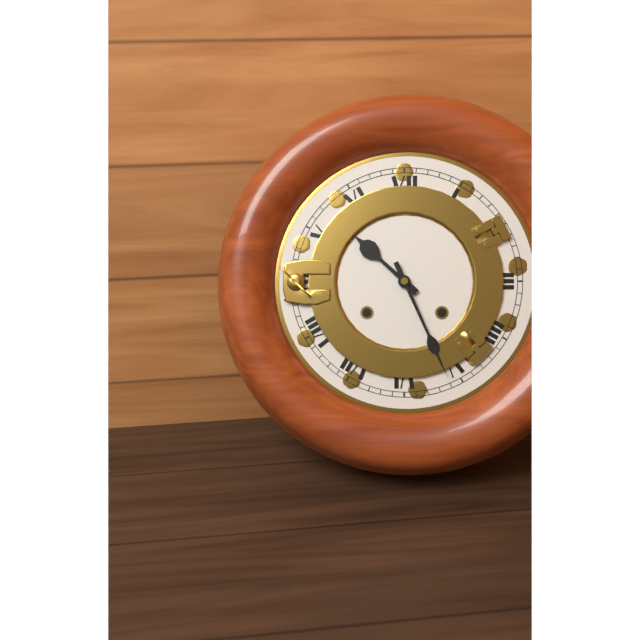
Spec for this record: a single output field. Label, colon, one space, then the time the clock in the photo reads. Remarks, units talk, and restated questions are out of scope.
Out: 10:26
